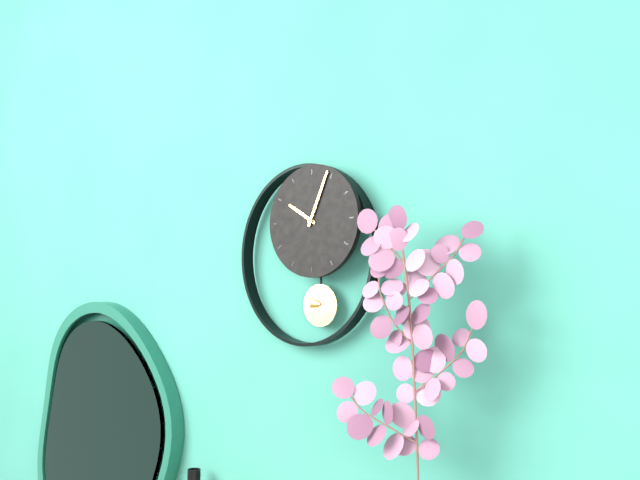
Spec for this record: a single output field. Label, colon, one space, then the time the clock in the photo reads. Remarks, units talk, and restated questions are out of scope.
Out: 10:04
